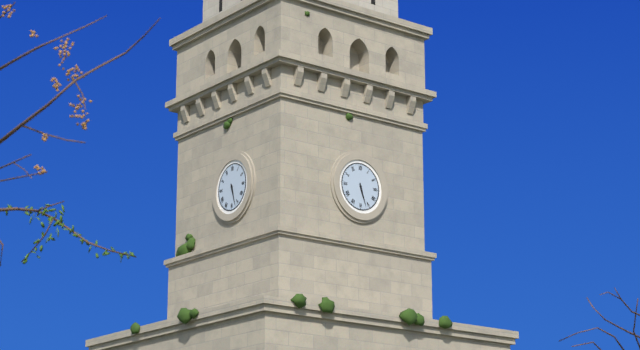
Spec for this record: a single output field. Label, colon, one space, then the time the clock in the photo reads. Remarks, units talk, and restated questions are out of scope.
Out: 5:27
